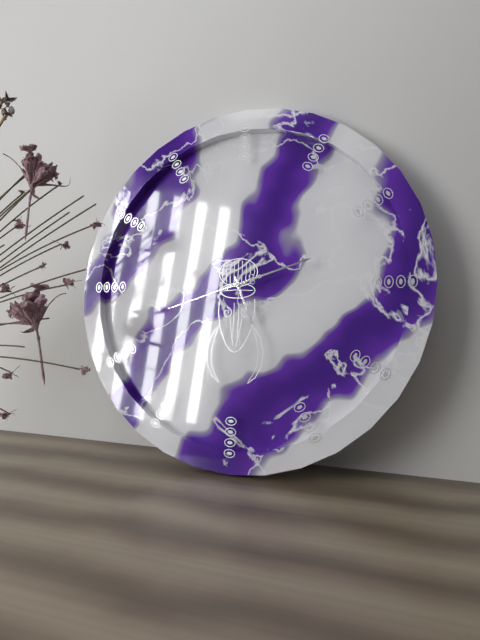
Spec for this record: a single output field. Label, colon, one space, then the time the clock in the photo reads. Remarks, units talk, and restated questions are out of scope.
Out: 5:12:42
